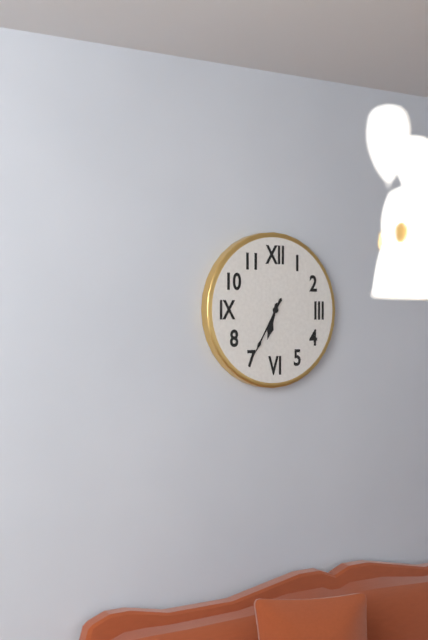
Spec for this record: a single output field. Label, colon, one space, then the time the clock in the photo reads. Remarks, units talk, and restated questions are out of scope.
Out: 6:35
